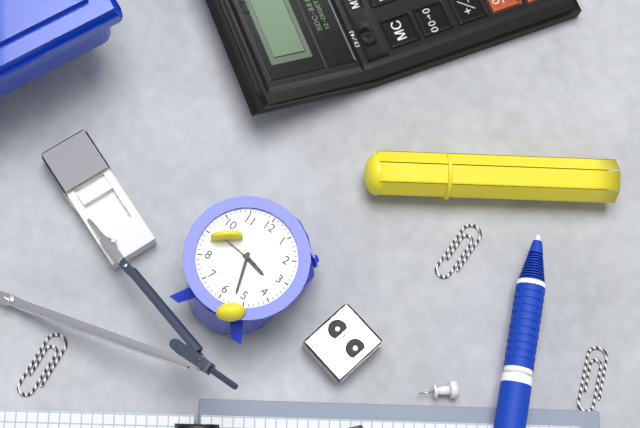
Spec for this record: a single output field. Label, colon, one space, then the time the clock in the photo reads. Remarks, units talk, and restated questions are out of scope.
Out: 3:27:46
